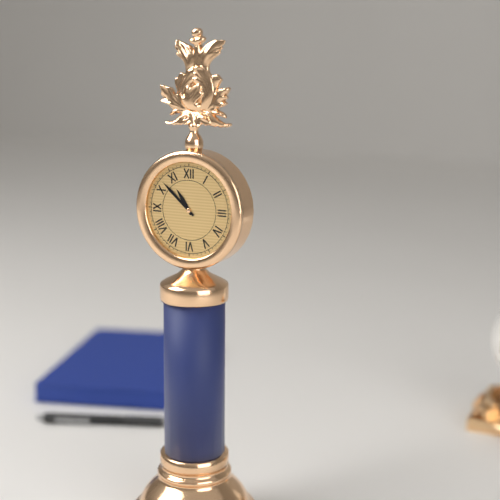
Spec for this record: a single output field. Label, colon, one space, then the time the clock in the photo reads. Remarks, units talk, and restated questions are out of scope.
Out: 10:52
